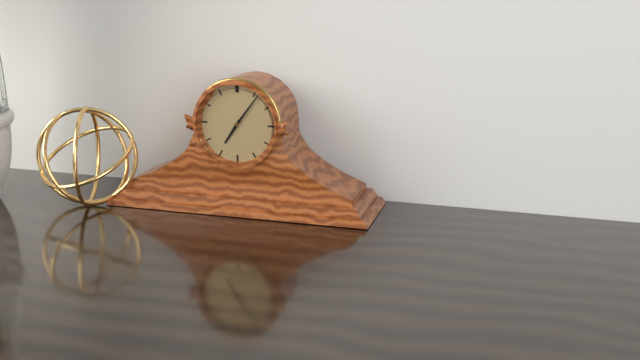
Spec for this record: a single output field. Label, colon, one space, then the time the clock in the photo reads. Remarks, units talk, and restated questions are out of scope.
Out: 7:06
